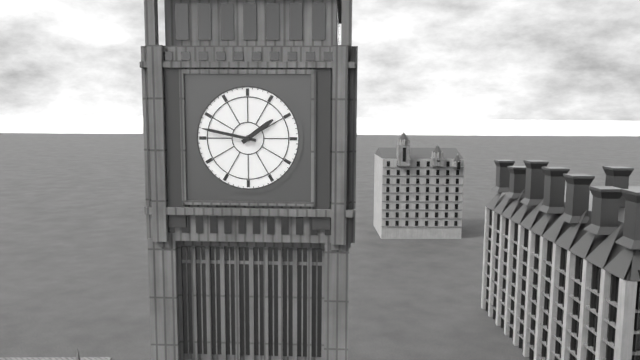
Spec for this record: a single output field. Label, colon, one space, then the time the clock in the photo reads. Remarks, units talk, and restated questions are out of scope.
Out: 1:47
